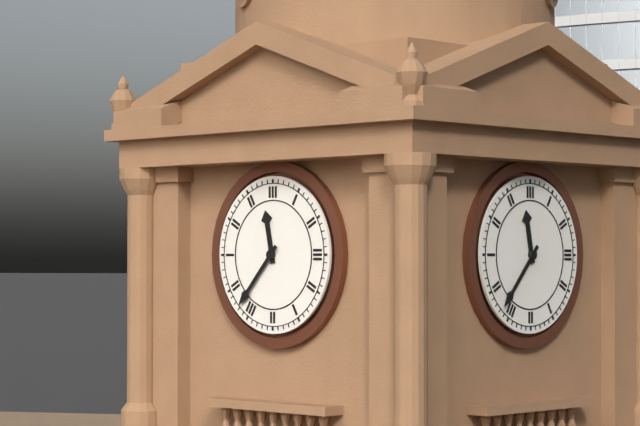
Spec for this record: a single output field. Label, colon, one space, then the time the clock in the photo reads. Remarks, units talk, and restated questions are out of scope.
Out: 11:37
